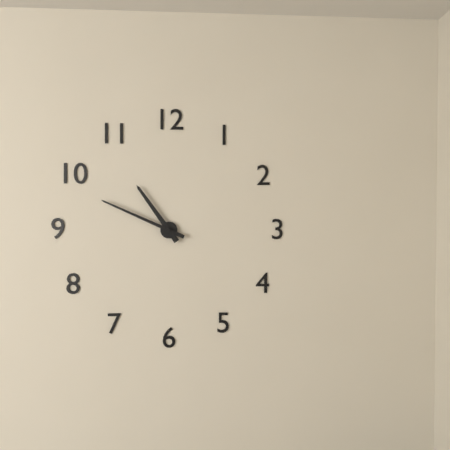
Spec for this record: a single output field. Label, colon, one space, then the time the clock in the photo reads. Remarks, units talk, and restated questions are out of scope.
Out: 10:49
